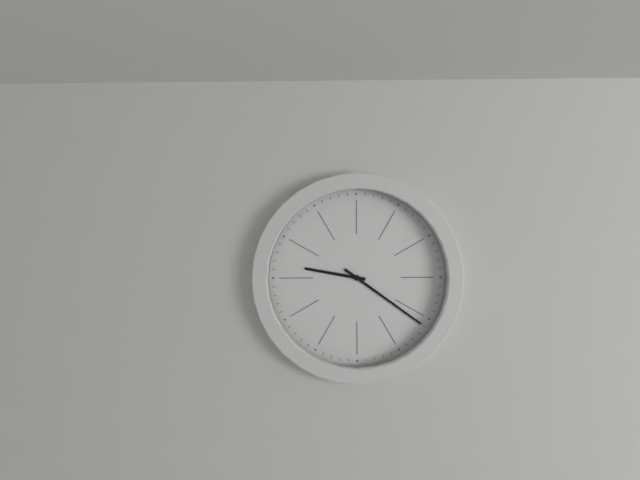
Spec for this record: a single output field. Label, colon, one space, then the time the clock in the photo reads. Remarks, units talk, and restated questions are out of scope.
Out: 9:21
